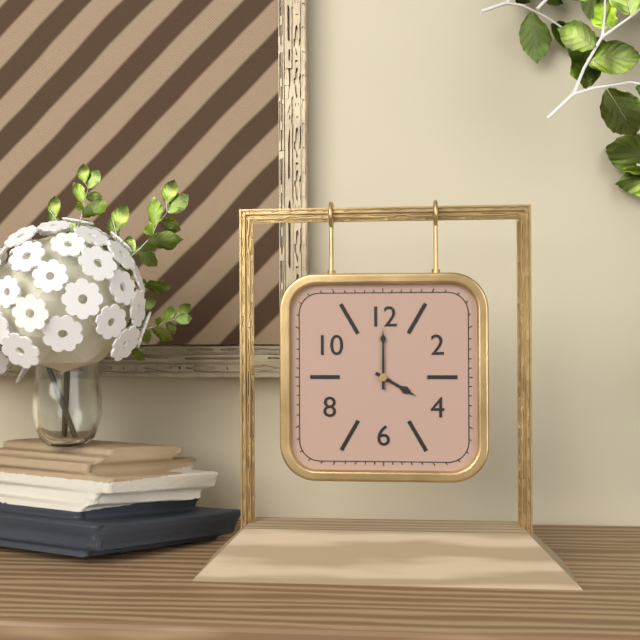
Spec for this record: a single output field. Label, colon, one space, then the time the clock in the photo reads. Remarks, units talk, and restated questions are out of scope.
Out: 4:00
